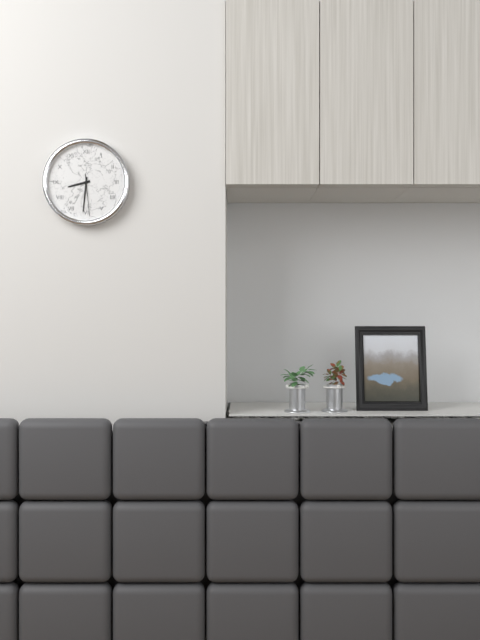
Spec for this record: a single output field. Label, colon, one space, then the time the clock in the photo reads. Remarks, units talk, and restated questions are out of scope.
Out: 8:31
